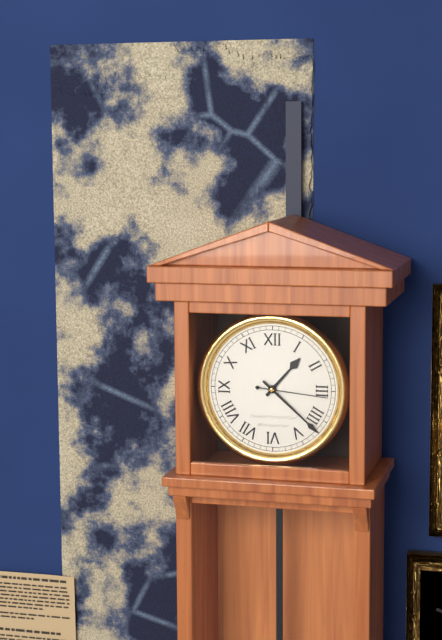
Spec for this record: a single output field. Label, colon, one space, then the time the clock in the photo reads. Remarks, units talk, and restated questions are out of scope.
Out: 1:22:16
